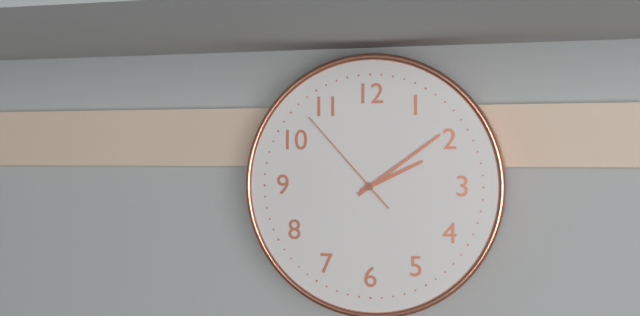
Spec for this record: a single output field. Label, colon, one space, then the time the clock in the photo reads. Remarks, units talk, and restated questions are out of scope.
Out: 2:09:53
